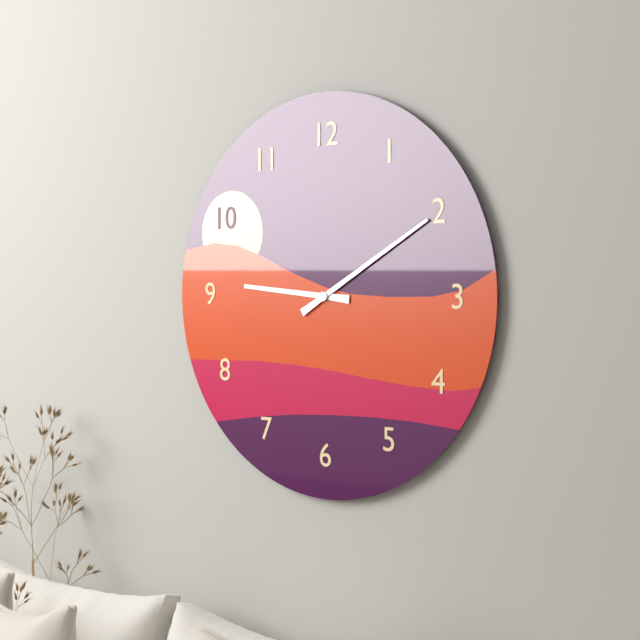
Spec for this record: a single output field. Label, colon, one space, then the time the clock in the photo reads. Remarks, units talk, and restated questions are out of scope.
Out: 9:10
